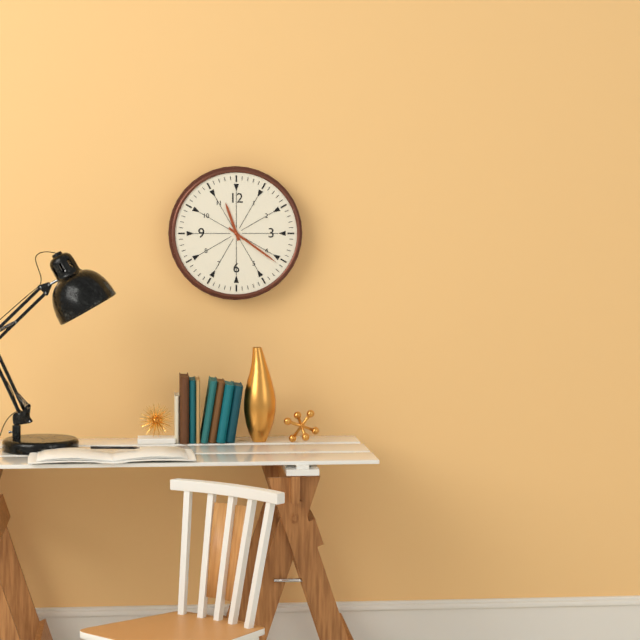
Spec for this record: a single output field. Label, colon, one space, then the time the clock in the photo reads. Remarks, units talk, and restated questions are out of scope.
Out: 11:21
